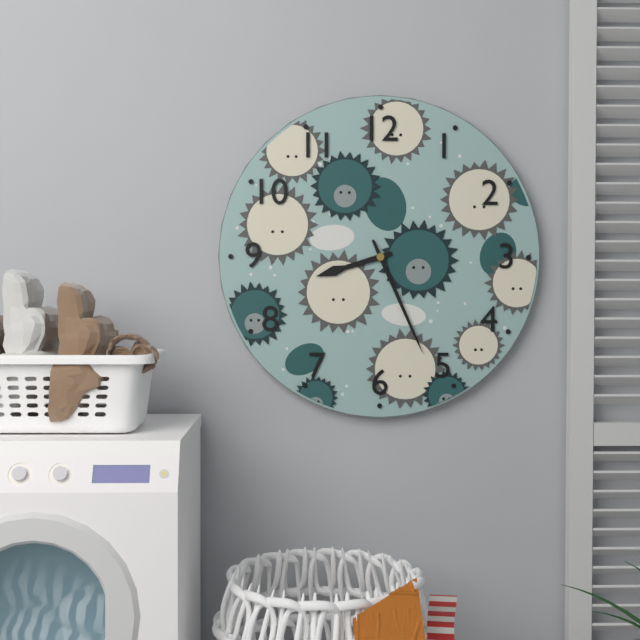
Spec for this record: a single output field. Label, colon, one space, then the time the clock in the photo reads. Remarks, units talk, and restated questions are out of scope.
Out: 8:26
